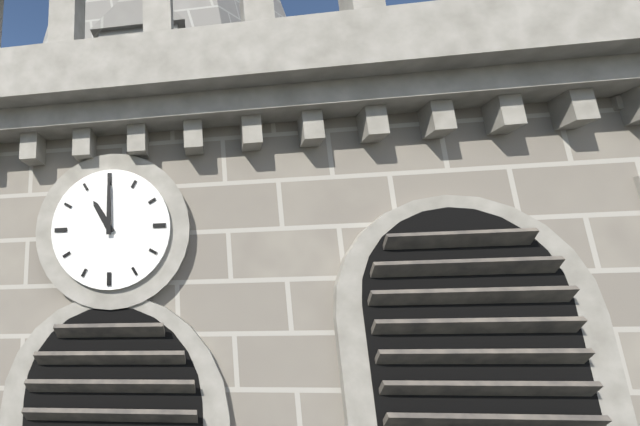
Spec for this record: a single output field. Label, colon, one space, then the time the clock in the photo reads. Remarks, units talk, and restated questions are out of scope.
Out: 11:00
